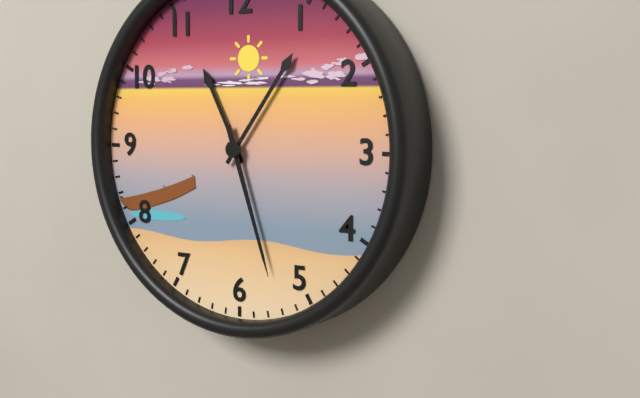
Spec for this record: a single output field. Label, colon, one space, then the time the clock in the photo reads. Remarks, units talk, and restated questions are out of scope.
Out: 11:06:27
